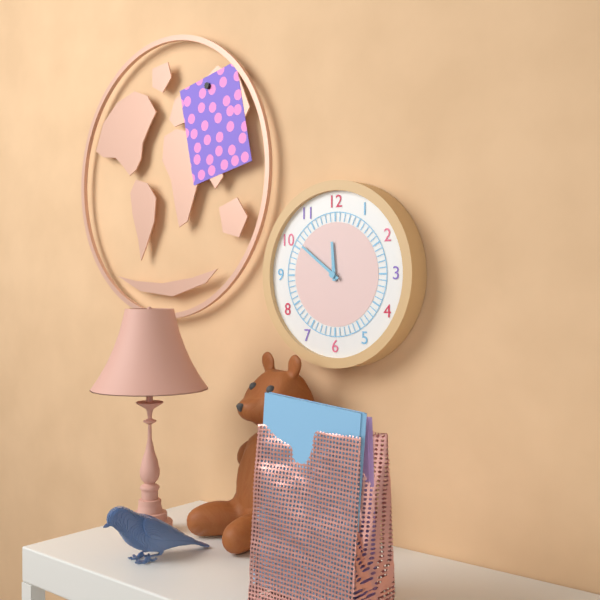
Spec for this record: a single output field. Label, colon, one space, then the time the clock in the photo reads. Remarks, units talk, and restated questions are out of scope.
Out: 11:51
